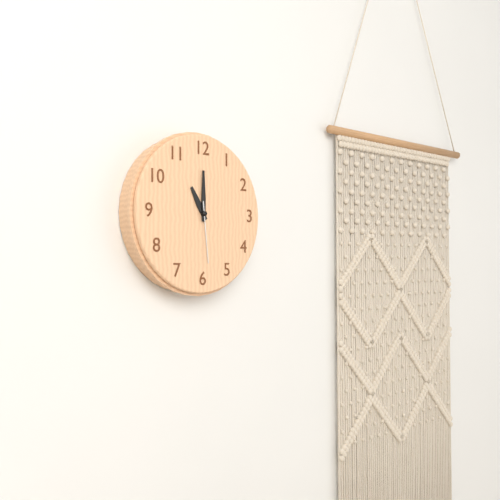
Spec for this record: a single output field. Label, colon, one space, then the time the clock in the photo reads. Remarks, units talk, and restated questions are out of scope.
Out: 11:00:29
